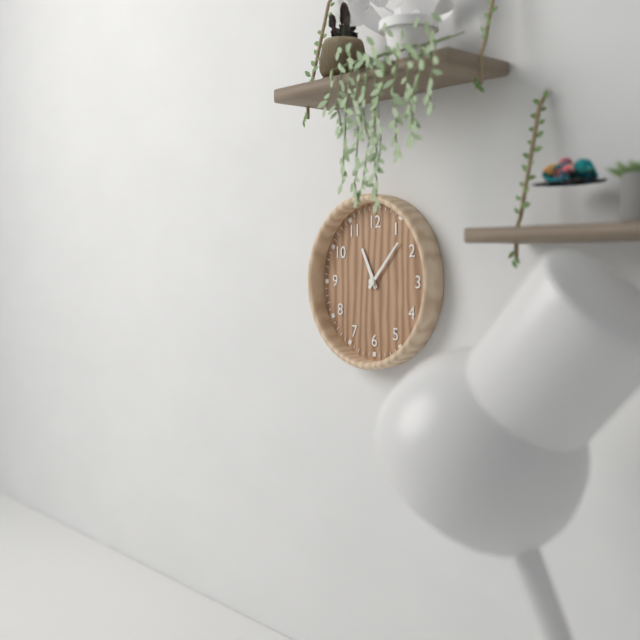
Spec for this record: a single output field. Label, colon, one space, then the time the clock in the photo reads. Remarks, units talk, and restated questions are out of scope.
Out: 11:07
